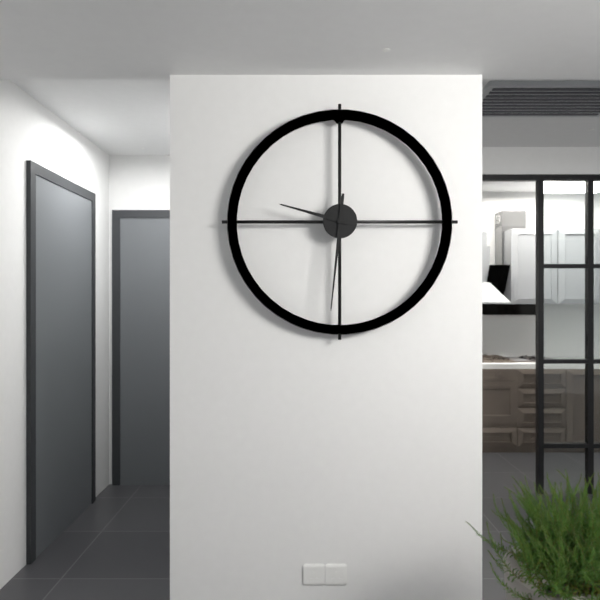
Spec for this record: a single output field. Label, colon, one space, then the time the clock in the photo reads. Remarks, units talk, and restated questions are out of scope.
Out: 9:31
